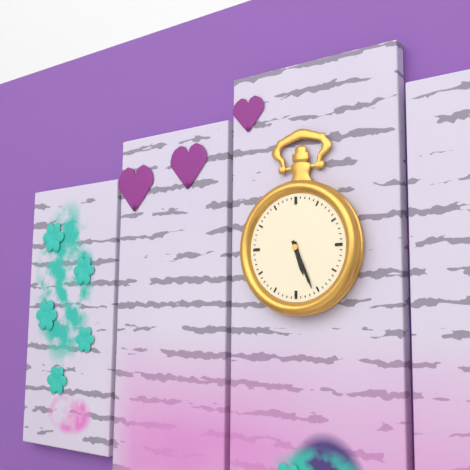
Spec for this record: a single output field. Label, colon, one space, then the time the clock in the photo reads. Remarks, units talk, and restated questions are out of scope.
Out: 5:26
